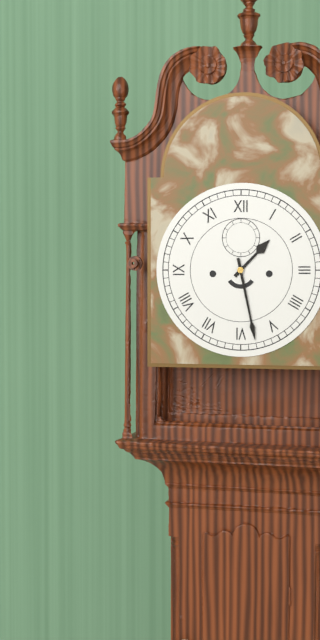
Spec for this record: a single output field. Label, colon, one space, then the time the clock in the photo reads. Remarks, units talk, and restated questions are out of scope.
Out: 1:28
